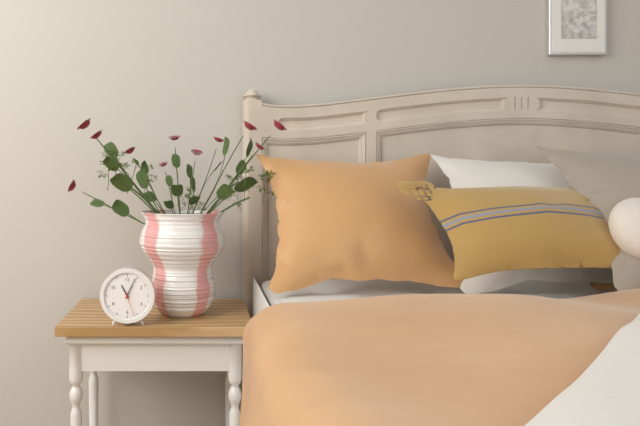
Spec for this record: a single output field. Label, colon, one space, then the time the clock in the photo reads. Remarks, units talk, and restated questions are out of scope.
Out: 11:04
